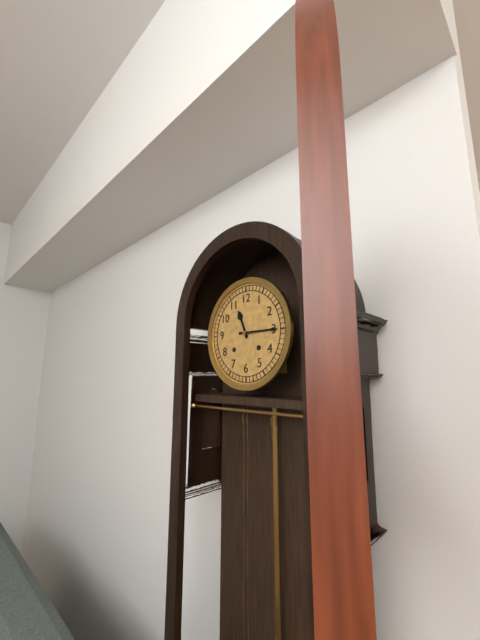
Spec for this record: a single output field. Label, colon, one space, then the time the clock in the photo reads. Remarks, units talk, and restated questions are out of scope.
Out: 11:15
